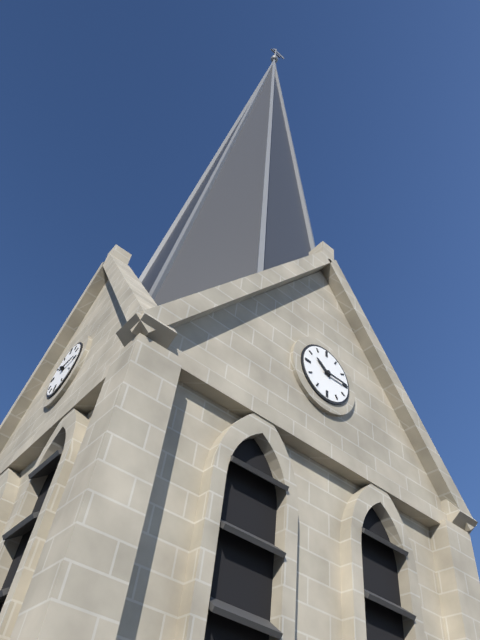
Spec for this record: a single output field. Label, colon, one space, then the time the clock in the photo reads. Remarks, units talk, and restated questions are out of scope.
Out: 10:15
